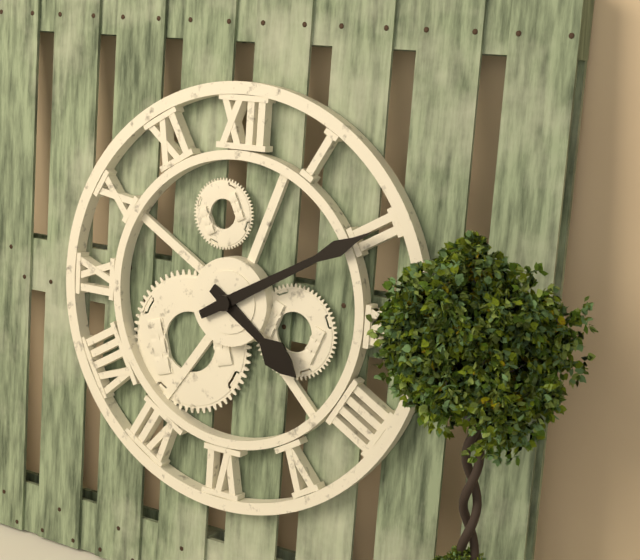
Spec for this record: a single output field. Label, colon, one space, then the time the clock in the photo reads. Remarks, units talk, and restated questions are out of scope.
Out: 4:10
